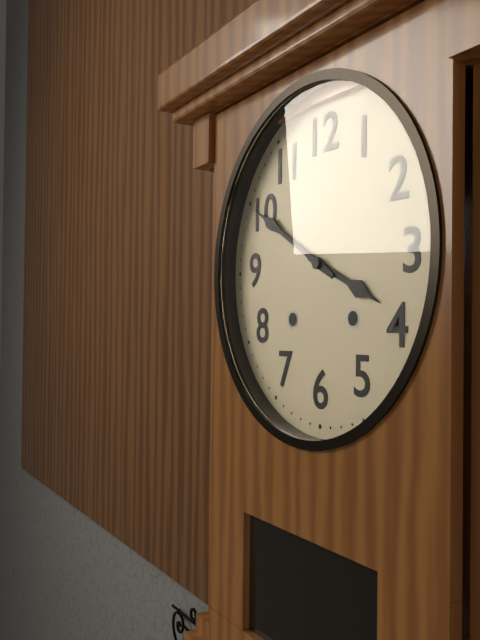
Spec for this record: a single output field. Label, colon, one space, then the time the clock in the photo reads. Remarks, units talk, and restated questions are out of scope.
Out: 3:50
